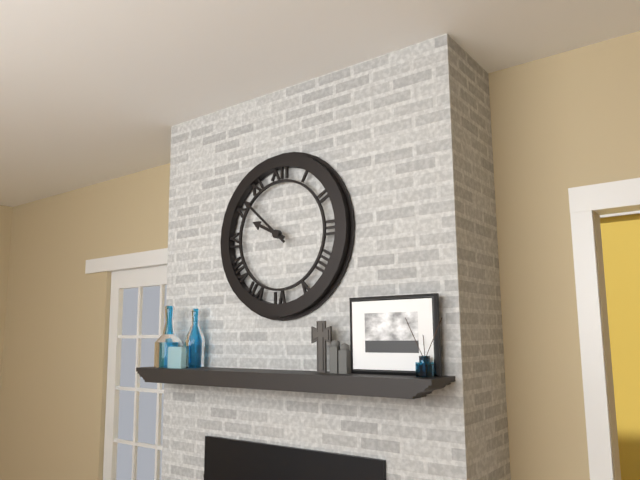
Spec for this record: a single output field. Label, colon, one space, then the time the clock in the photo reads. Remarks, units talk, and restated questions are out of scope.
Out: 9:52
